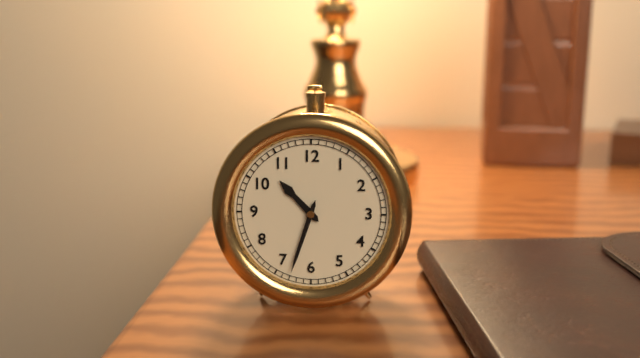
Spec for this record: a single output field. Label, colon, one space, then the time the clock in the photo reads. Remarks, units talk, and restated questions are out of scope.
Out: 10:33
